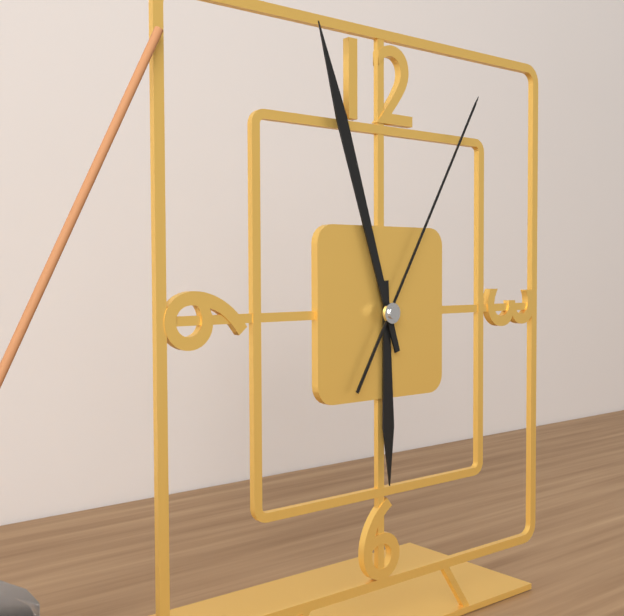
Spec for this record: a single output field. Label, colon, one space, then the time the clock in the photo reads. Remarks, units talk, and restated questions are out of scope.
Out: 5:57:05
